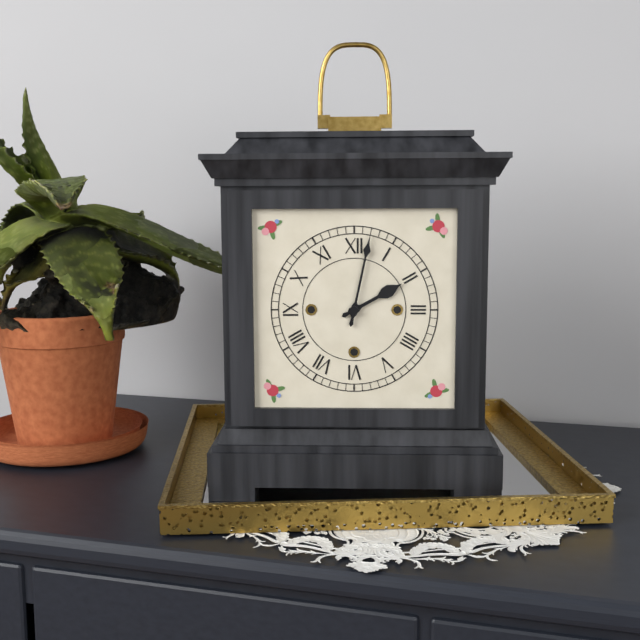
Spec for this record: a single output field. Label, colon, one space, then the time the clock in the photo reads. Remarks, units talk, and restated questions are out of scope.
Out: 2:02
